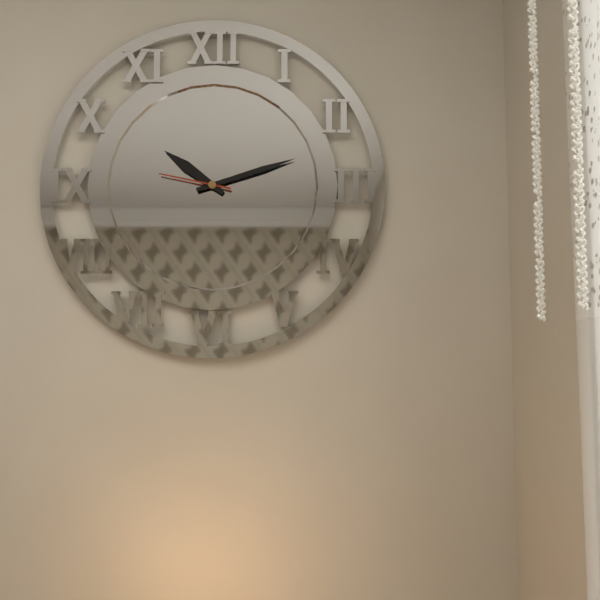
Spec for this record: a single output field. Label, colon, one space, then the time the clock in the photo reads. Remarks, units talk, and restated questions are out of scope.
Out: 10:12:47
